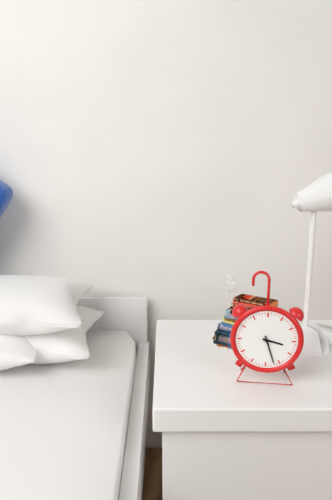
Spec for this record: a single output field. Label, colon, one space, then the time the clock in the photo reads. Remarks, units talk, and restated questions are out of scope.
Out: 3:27
